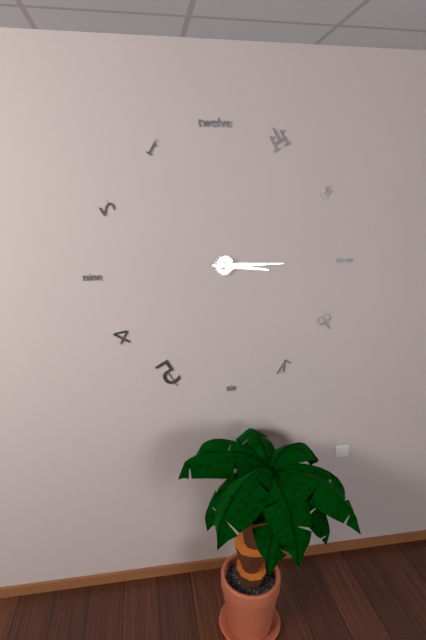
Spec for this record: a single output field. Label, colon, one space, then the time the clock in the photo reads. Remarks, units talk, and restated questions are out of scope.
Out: 3:15
